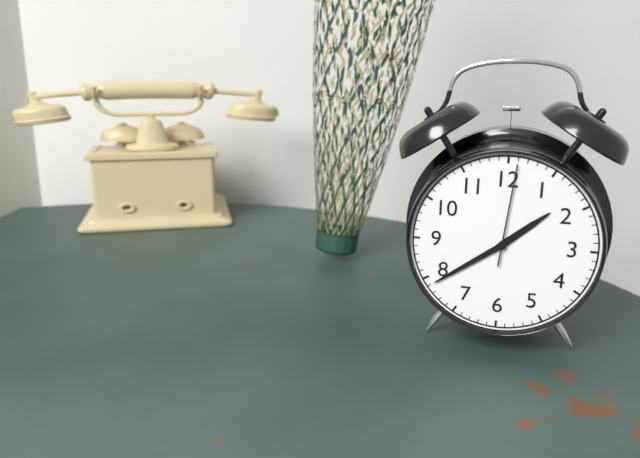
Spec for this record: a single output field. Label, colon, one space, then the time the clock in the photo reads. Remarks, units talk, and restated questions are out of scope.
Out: 1:39:01
